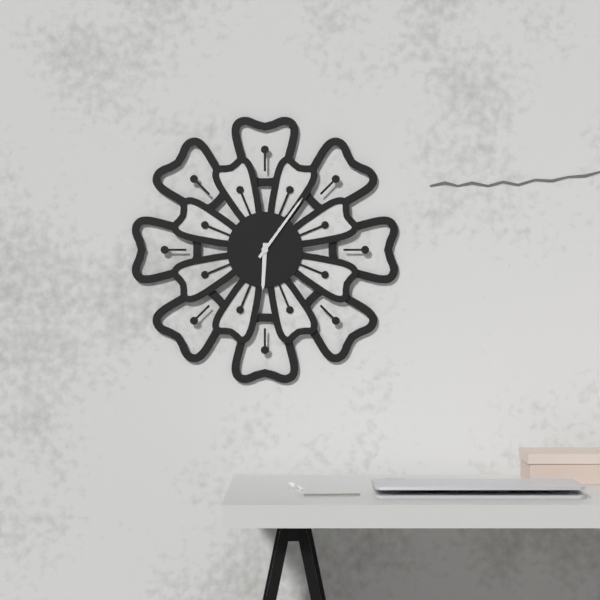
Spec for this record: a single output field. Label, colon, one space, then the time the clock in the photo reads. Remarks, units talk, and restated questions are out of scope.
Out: 6:06
